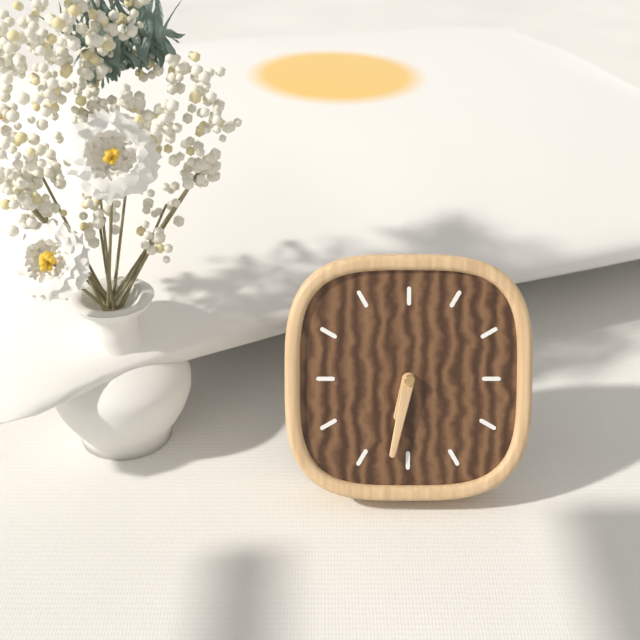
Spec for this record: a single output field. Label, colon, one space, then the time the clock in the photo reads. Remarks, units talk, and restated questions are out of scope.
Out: 6:32
